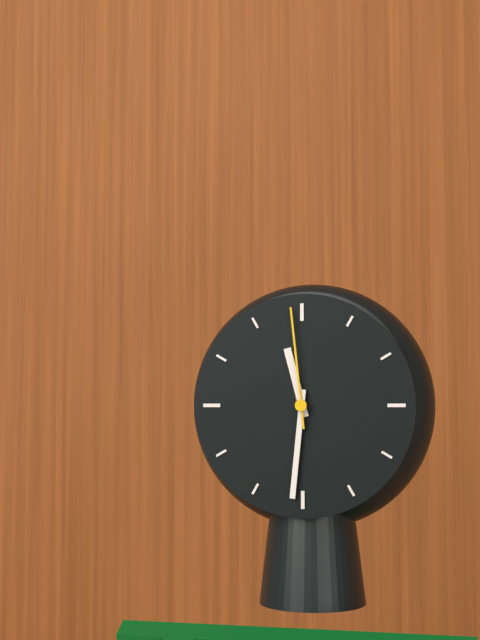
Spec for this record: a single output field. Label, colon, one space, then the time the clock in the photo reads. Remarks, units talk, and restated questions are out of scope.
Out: 11:31:59
